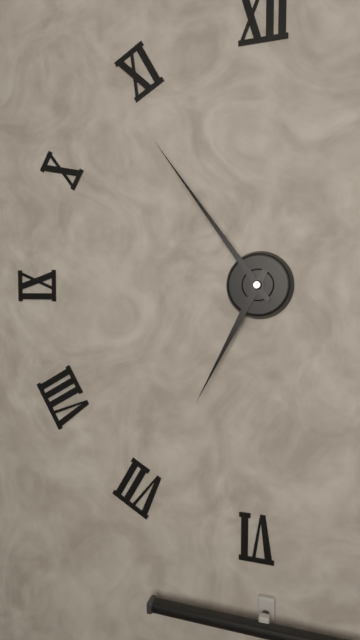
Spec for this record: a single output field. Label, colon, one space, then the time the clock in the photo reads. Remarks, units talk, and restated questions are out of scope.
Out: 6:54
